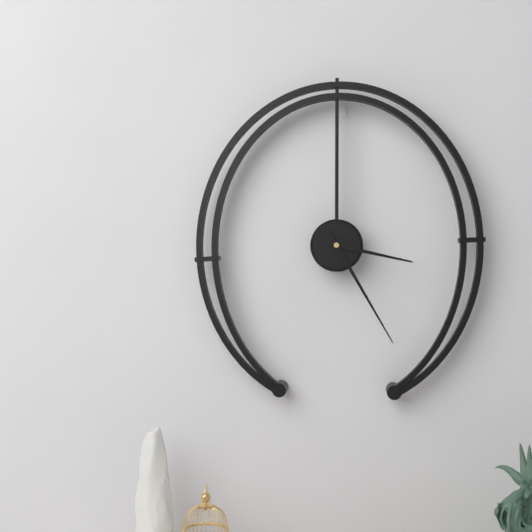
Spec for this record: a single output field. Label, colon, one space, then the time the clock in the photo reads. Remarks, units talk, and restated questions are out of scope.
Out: 3:25
